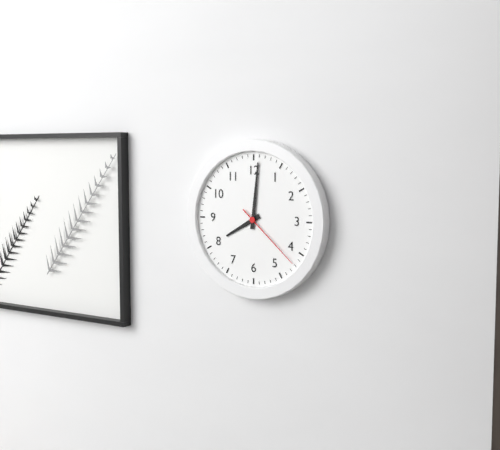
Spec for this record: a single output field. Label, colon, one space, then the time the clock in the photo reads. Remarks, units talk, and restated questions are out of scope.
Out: 8:01:22
